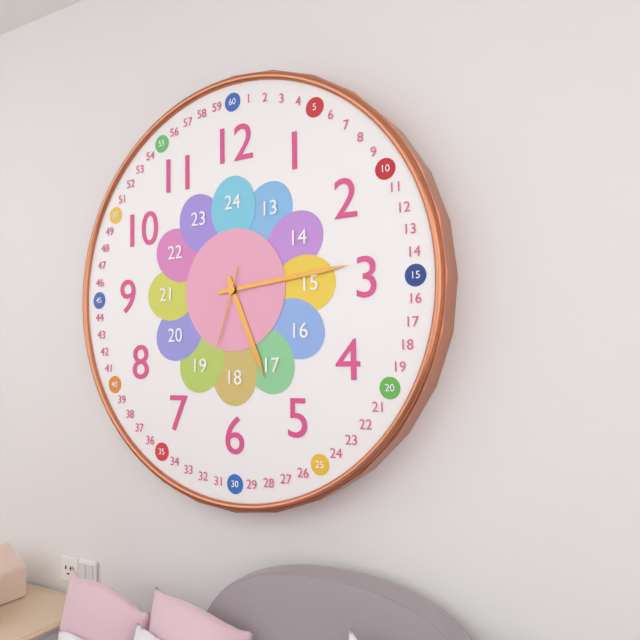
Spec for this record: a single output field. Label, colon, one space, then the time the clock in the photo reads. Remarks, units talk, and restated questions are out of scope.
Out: 5:14:33
